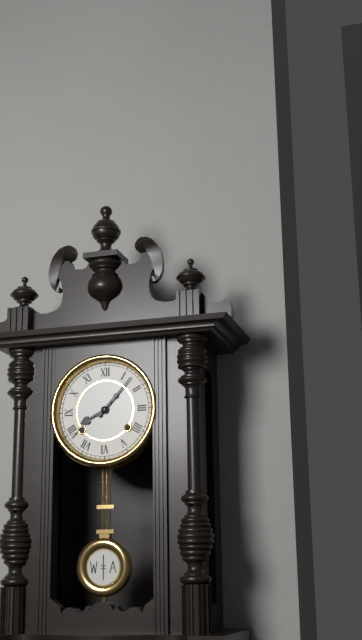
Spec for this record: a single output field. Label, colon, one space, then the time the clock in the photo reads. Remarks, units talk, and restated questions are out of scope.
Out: 8:07
